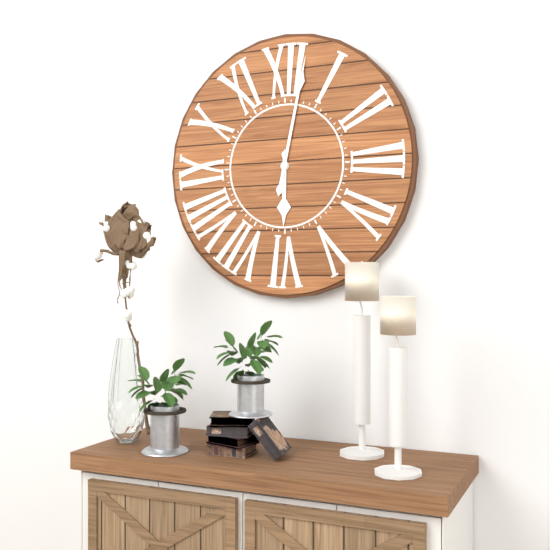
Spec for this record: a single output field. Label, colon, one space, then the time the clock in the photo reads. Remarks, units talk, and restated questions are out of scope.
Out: 6:02
